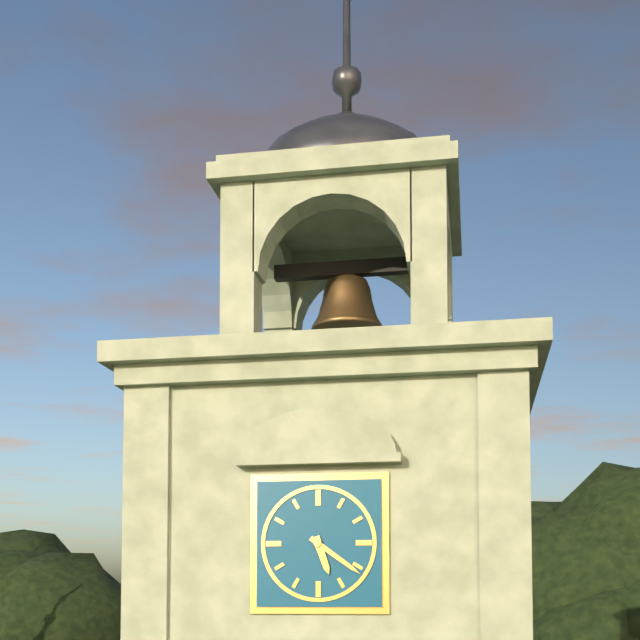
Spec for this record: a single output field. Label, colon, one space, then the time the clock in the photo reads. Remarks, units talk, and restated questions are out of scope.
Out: 5:21
